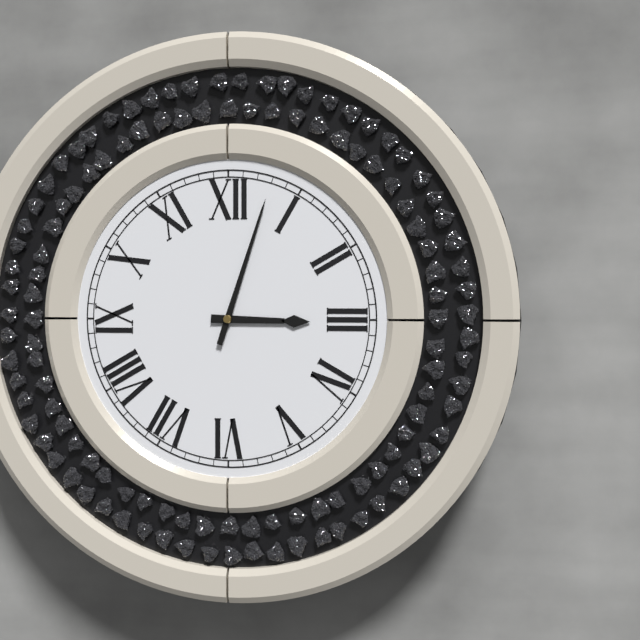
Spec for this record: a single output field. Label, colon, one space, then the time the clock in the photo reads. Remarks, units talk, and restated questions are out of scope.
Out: 3:03
